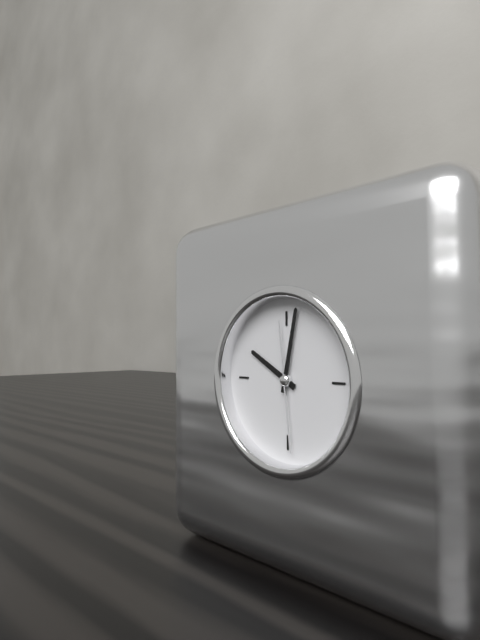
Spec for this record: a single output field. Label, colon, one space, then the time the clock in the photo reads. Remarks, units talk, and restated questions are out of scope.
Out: 10:02:29
